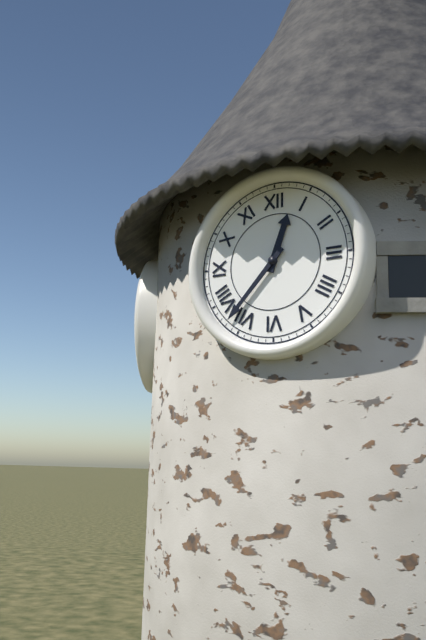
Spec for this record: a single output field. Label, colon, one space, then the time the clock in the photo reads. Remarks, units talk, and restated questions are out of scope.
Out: 12:37
